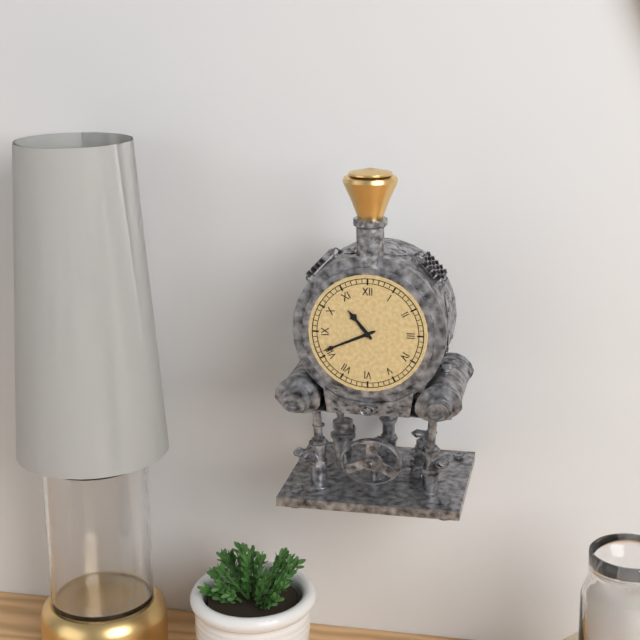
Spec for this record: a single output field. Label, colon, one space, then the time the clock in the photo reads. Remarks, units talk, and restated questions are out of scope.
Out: 10:41
